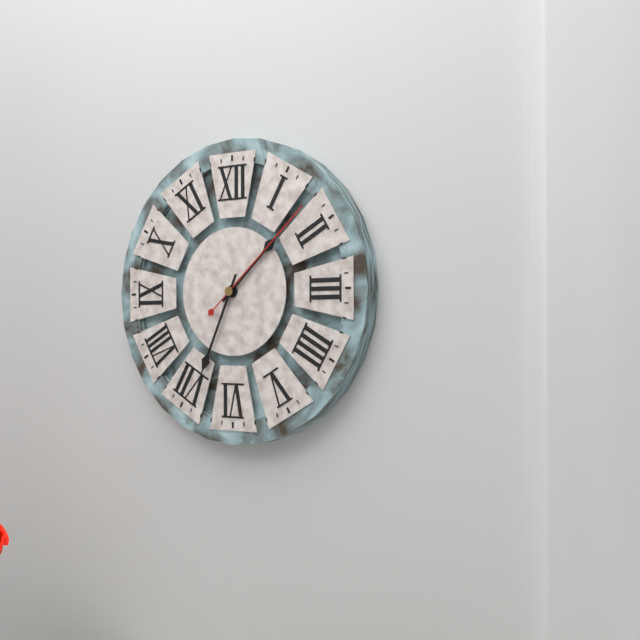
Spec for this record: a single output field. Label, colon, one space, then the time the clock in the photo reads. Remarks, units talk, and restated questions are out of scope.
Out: 1:34:08
